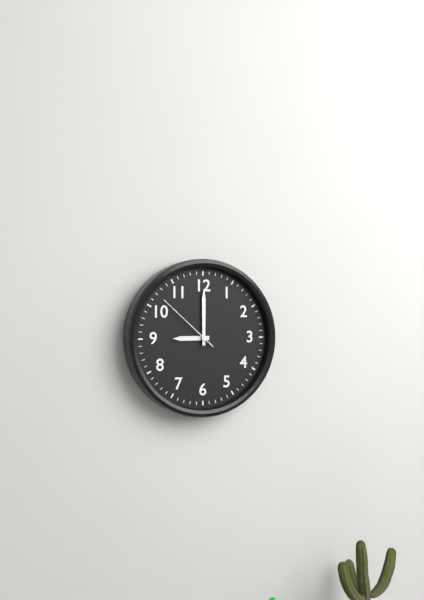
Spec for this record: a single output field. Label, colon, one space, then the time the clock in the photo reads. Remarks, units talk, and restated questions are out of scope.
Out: 9:00:52
